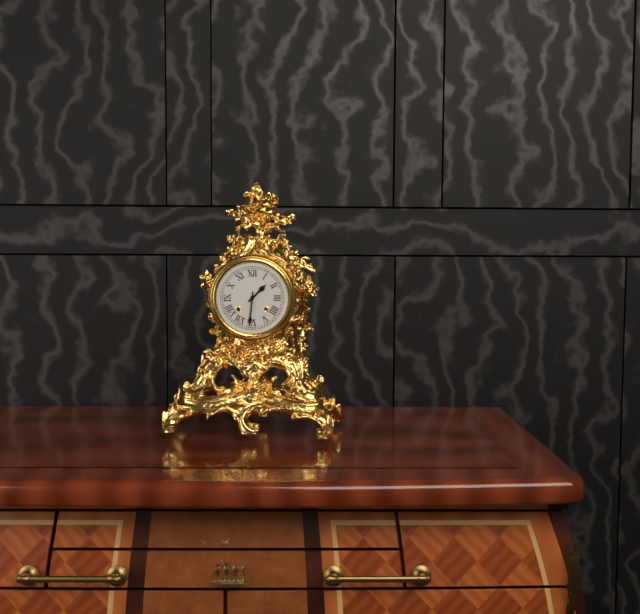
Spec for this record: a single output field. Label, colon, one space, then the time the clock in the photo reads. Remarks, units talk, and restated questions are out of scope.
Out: 1:31
